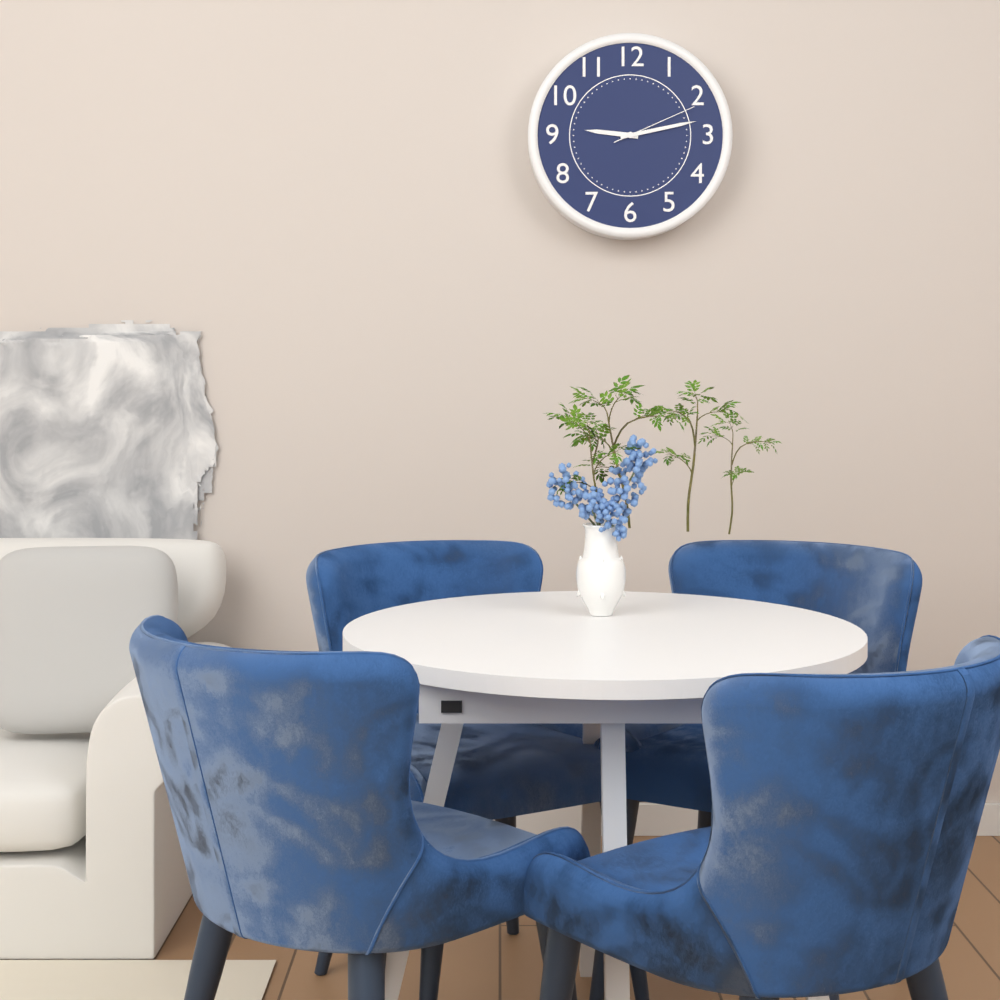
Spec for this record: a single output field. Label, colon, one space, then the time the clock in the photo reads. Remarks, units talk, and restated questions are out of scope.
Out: 9:13:11
